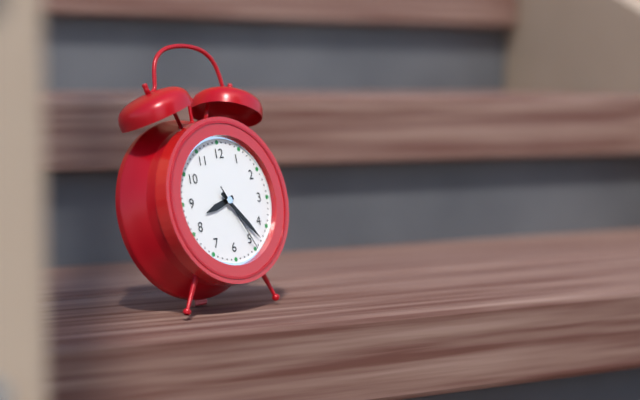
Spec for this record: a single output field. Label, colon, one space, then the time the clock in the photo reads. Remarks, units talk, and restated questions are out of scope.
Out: 8:23:25
